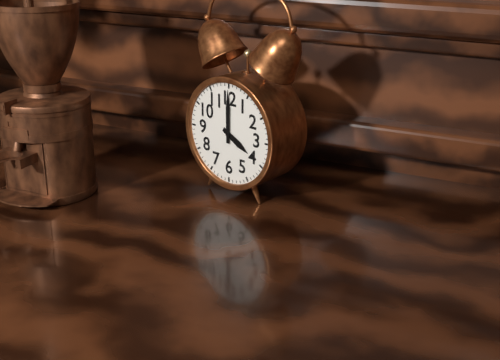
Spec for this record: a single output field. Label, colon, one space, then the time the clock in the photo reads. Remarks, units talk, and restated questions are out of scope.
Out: 4:00
